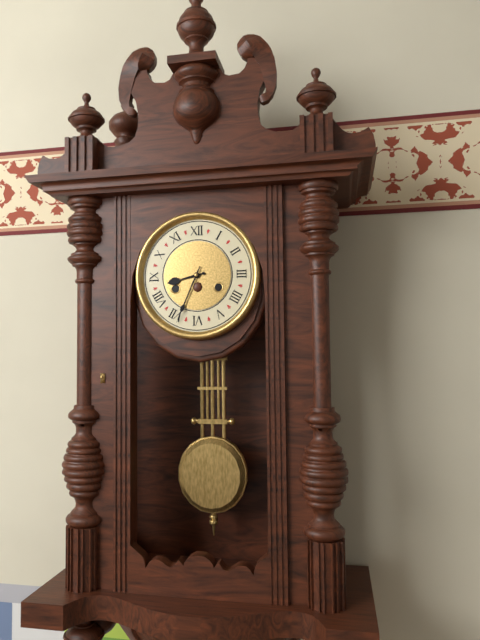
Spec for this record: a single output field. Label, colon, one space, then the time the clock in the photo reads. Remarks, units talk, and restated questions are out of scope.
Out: 8:34
